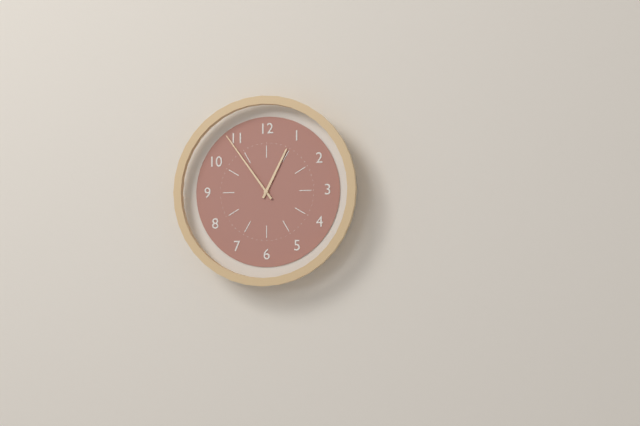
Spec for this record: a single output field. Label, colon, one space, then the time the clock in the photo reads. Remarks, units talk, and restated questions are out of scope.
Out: 12:54
